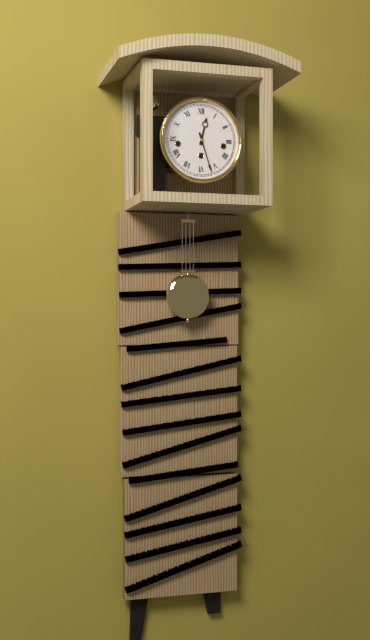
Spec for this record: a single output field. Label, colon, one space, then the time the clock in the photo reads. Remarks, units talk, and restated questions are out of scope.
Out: 12:27
